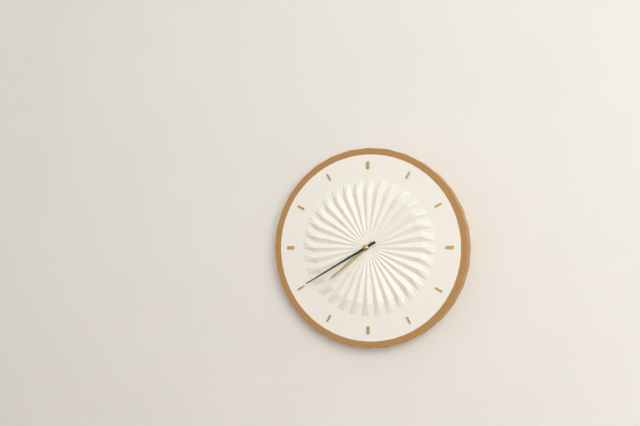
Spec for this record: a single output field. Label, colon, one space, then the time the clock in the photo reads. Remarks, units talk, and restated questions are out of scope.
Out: 7:40
